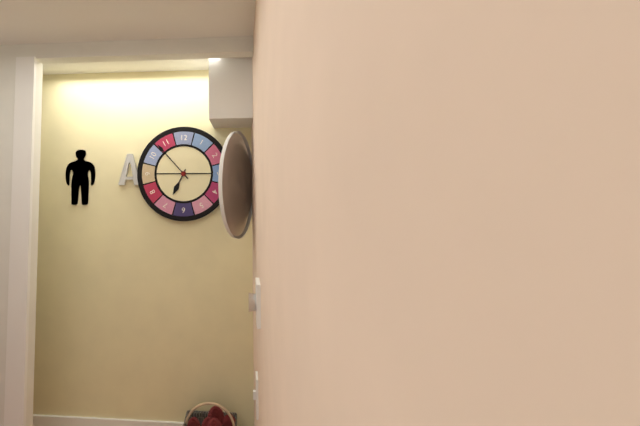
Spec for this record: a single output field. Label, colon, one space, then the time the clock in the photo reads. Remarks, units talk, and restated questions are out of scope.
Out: 6:53
